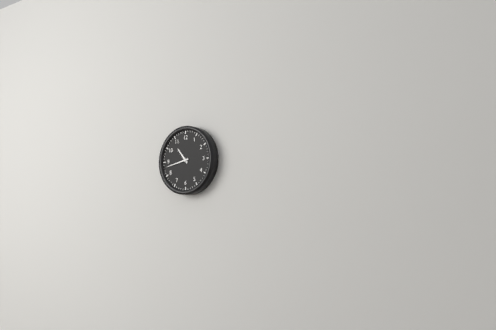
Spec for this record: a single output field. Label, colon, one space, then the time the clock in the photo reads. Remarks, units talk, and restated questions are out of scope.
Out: 10:43
